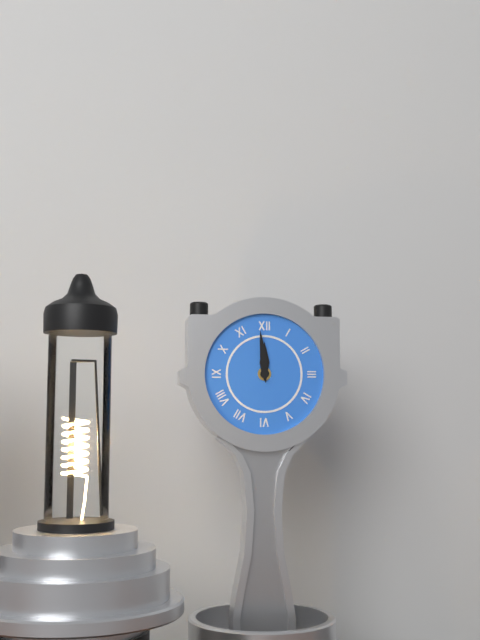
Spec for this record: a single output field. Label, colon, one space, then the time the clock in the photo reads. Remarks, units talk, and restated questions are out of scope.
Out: 11:59
